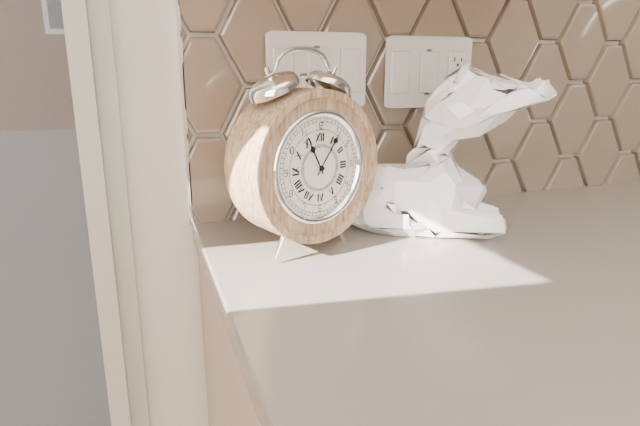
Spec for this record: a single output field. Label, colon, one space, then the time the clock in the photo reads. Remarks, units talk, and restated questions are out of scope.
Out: 11:06
